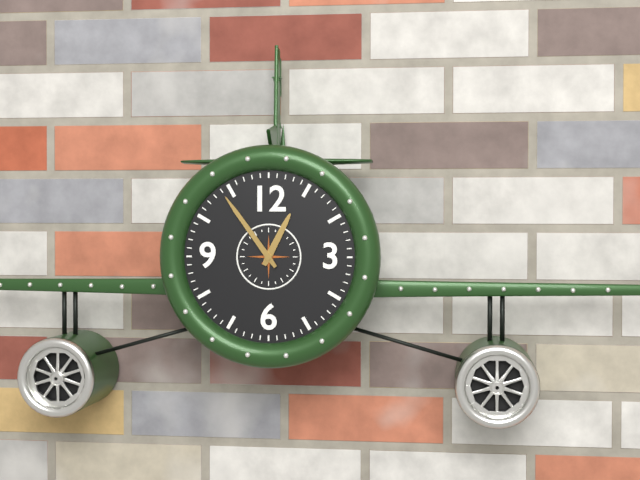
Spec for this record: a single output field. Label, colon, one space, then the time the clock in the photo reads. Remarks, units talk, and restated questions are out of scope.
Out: 12:54
